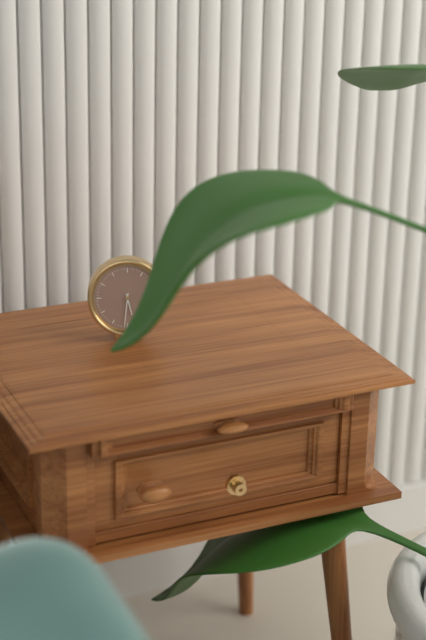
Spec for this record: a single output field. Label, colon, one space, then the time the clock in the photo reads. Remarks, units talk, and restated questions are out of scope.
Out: 5:31
